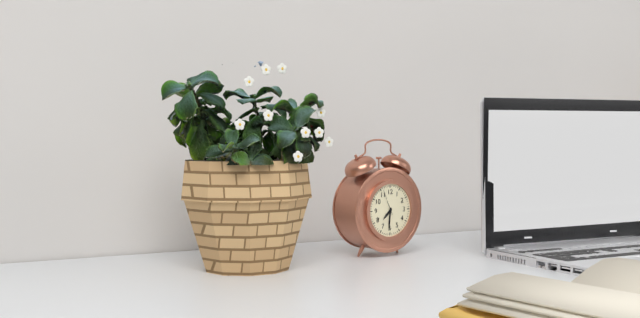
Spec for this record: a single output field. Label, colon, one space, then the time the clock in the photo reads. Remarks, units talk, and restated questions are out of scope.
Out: 7:31
